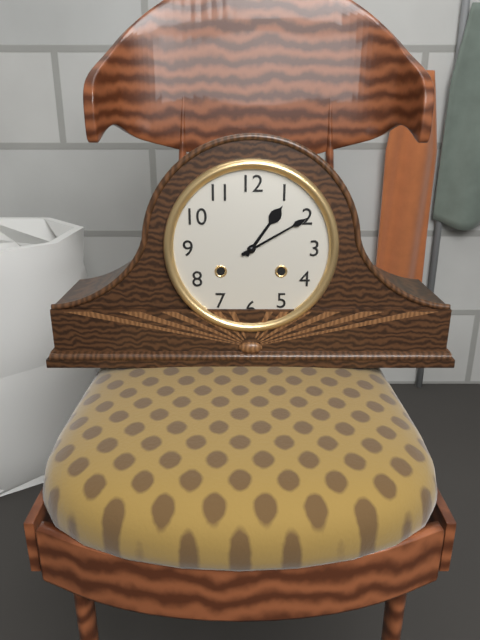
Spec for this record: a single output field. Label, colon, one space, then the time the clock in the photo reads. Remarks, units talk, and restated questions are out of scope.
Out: 1:10
